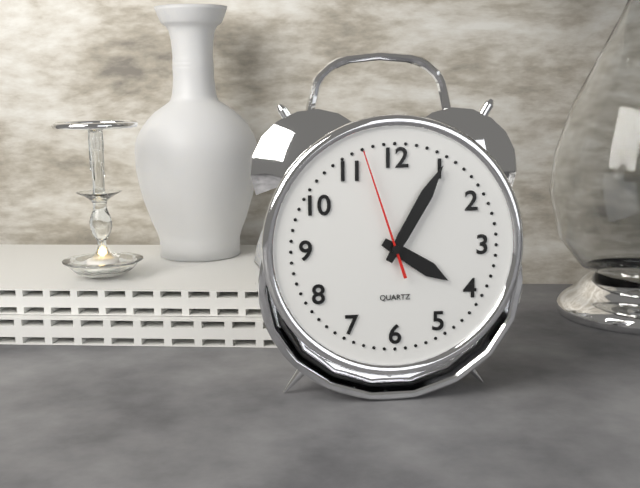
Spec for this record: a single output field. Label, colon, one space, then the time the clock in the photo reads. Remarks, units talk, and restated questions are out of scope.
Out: 4:05:57
